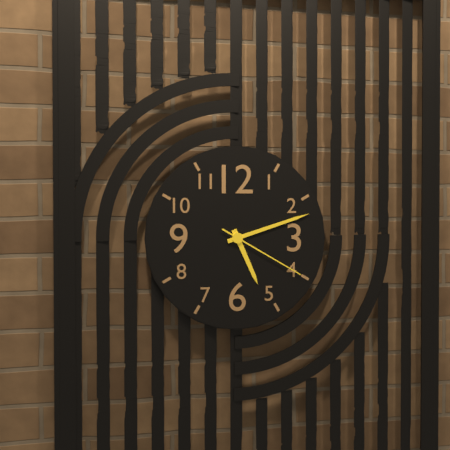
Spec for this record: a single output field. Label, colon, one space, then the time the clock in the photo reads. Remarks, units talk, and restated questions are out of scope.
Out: 5:12:20
